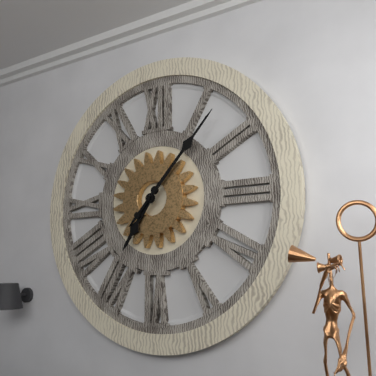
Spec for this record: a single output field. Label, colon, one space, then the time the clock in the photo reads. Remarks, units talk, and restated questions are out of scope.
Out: 7:07
